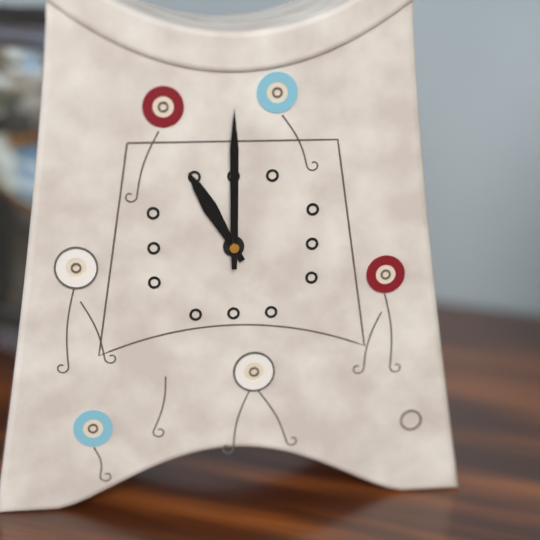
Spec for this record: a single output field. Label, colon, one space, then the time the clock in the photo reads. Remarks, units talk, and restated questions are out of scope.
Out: 11:00
